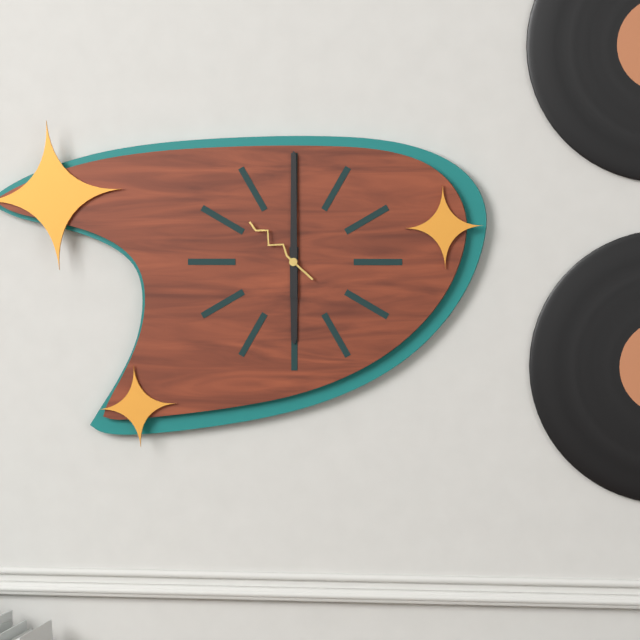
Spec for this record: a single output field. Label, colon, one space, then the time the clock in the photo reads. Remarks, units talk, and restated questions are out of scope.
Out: 6:00:52
